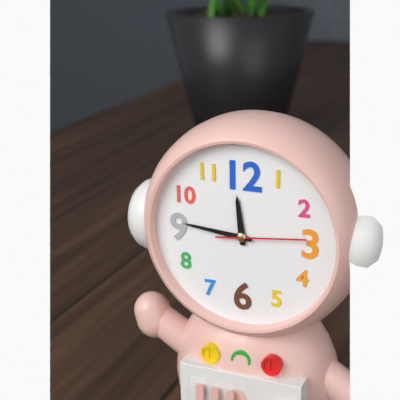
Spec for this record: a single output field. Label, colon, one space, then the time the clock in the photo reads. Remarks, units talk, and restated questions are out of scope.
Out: 11:46:14
